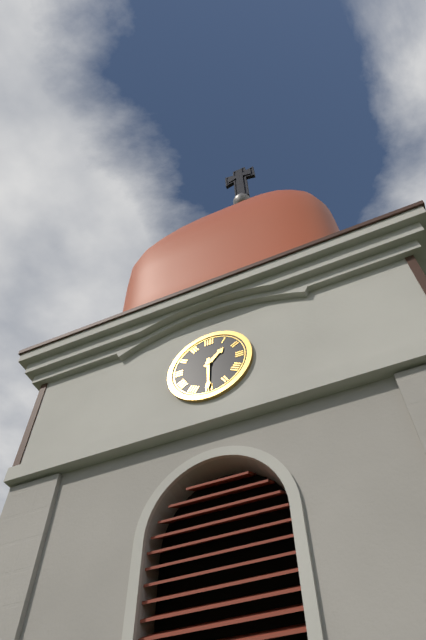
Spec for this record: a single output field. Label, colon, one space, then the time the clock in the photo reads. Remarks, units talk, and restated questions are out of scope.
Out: 1:30
